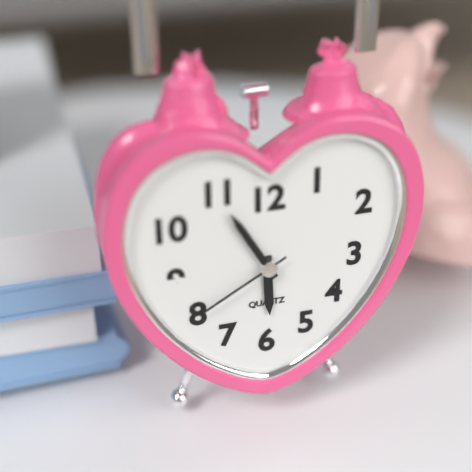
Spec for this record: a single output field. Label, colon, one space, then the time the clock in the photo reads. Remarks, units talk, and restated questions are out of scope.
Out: 5:55:40
